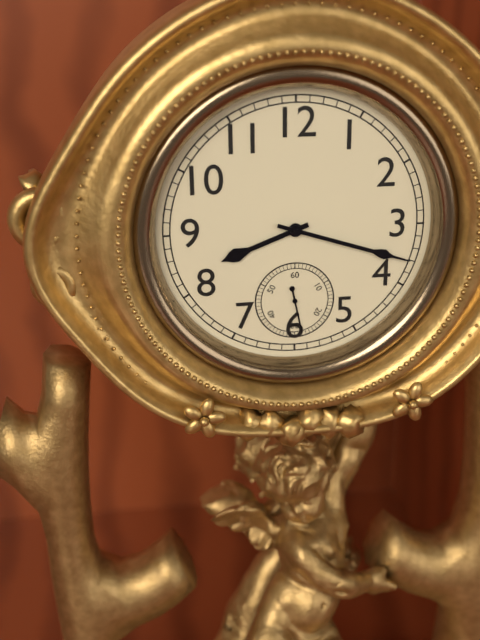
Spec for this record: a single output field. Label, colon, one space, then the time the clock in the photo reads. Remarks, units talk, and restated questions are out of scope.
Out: 8:18
